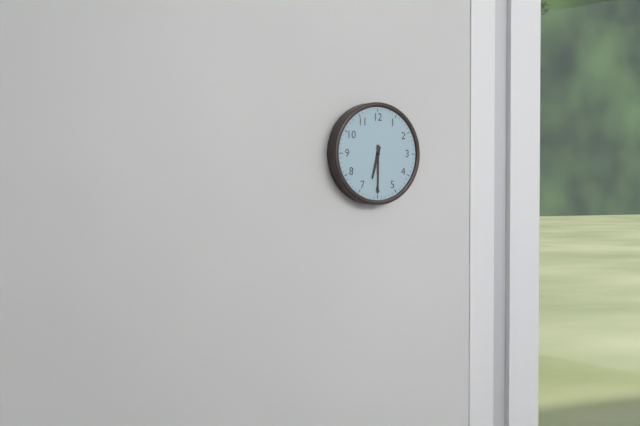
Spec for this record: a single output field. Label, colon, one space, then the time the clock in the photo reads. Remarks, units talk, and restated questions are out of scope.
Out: 6:30
